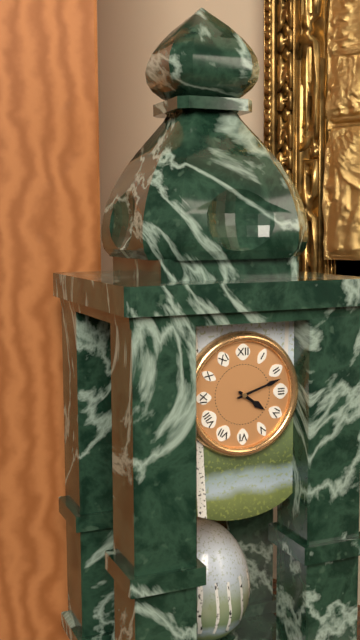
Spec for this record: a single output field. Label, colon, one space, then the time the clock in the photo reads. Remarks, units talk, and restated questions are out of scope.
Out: 4:12
